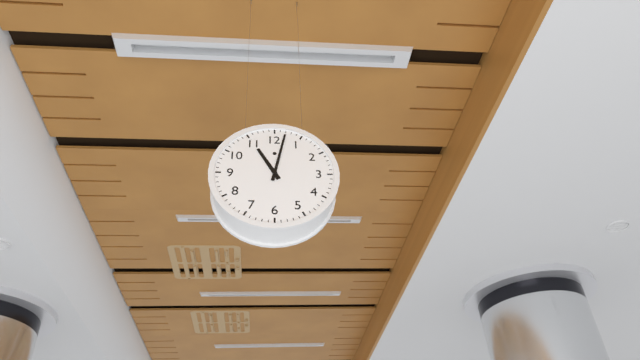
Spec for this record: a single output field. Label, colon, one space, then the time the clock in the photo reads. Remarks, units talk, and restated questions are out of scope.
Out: 11:02
